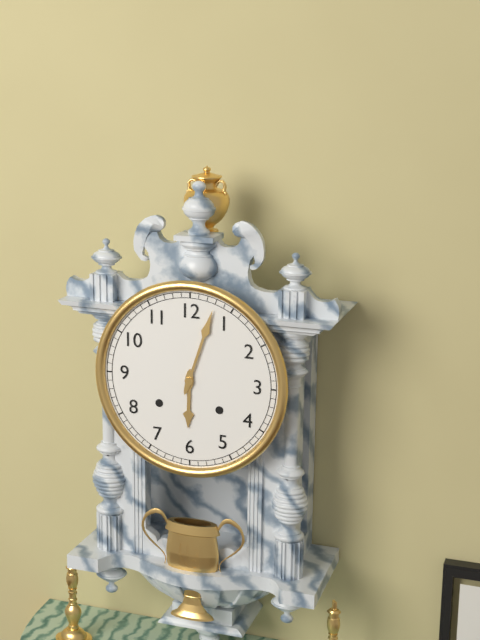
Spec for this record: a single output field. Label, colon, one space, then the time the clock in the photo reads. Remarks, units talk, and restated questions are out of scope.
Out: 6:03
